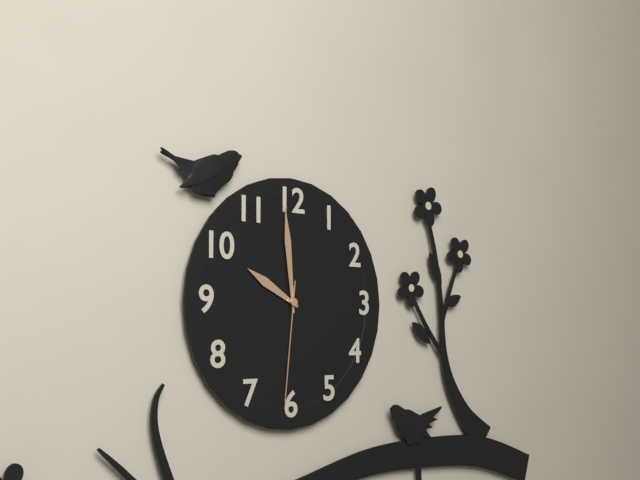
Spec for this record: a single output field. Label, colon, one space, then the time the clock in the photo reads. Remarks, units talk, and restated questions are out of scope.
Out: 9:59:31
